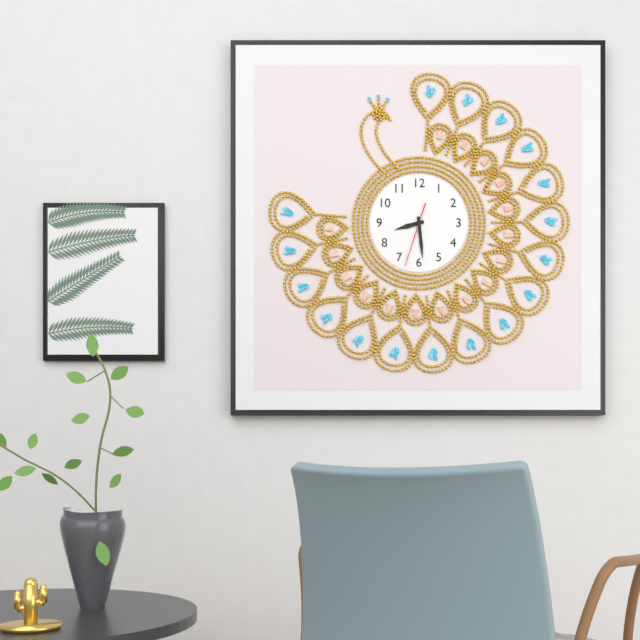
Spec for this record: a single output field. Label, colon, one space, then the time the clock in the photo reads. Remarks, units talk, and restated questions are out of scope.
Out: 8:29:33
